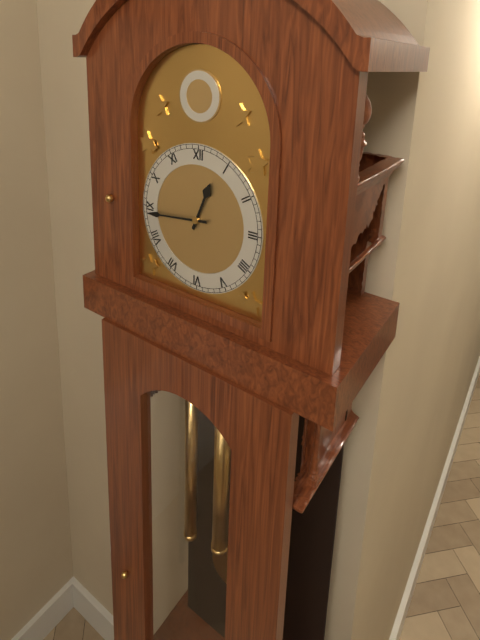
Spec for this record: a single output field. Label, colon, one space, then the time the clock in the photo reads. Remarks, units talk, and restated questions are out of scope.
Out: 12:44
